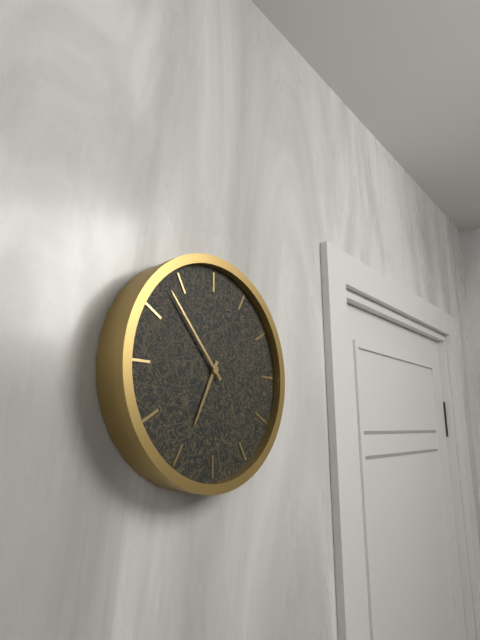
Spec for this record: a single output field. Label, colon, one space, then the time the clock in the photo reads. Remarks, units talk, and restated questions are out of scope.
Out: 6:53
